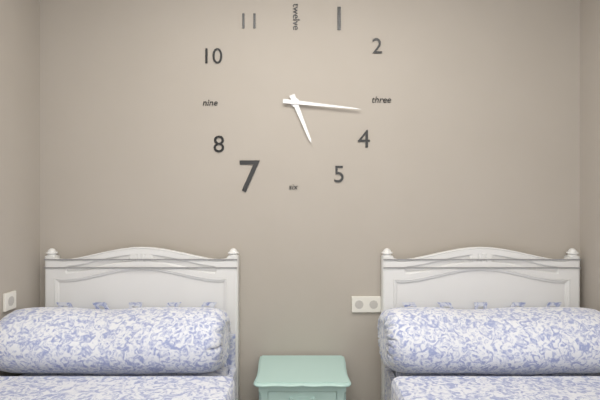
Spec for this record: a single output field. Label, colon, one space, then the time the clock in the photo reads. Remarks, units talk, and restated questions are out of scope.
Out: 5:16
